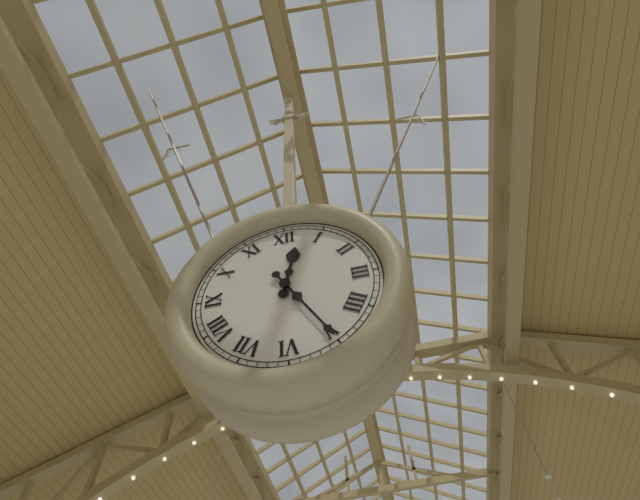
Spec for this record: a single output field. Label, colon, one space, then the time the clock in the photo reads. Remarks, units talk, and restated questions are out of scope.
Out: 12:25
